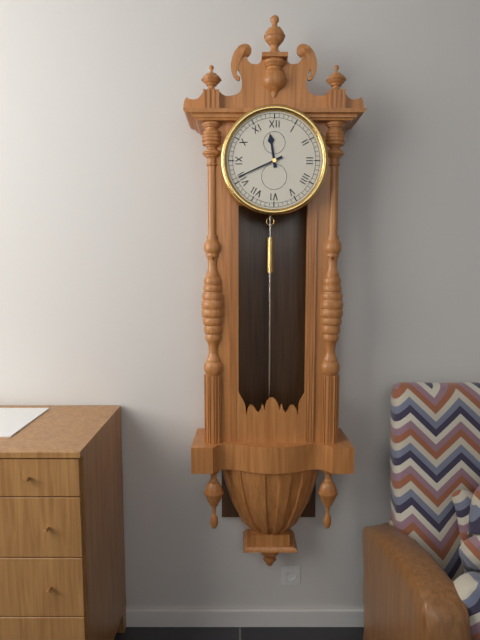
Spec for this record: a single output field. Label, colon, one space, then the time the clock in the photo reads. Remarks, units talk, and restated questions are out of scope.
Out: 11:41
